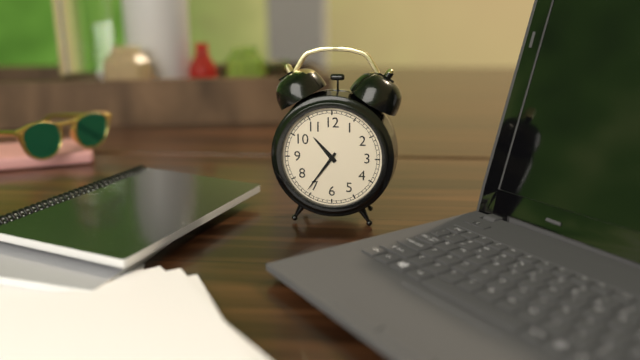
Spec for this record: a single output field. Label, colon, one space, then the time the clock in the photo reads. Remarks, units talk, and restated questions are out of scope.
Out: 10:36
